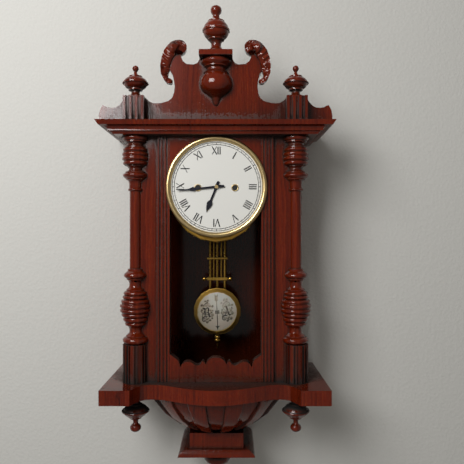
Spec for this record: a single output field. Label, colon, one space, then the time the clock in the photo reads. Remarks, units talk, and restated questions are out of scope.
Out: 6:44
